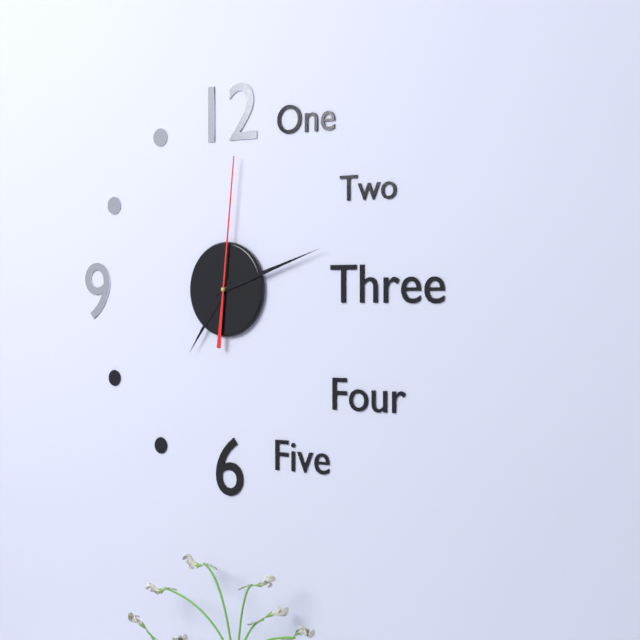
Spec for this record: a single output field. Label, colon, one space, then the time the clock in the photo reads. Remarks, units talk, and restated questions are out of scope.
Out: 7:12:01
